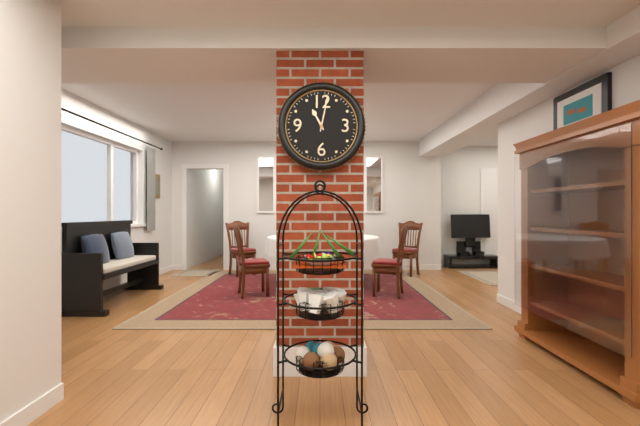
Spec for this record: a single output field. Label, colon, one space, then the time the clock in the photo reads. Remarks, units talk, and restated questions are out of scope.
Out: 11:02
